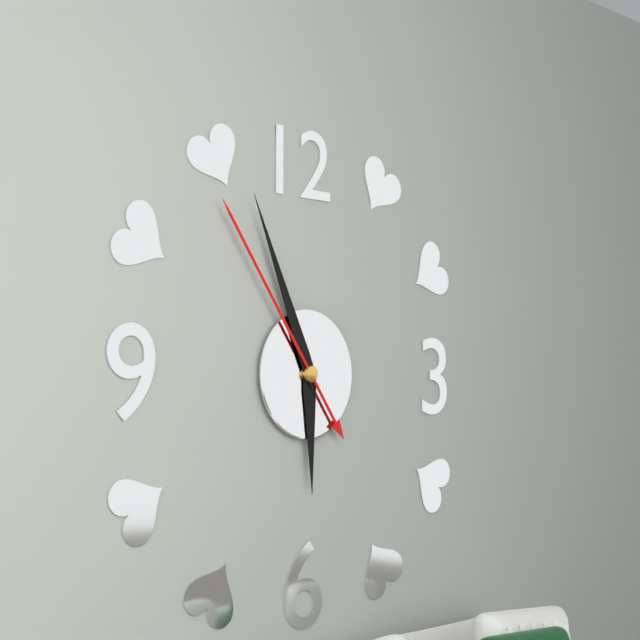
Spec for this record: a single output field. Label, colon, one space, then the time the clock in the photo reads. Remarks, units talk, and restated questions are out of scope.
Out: 5:56:54
